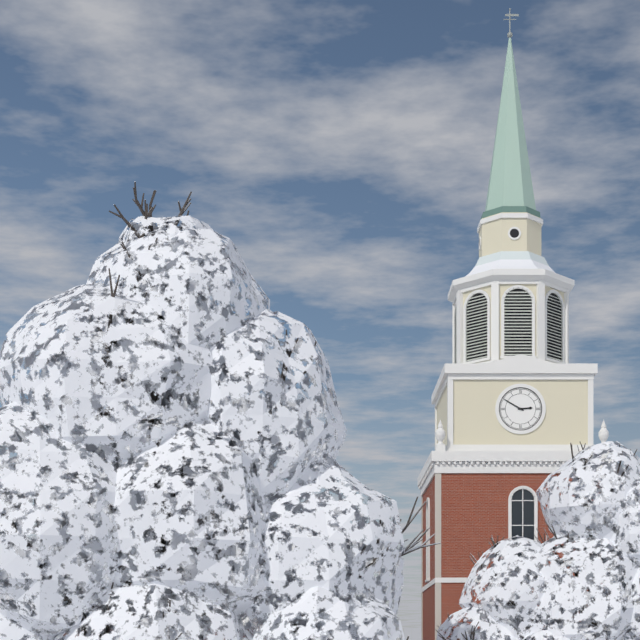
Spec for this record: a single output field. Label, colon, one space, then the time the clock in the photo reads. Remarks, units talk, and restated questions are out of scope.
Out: 2:50
